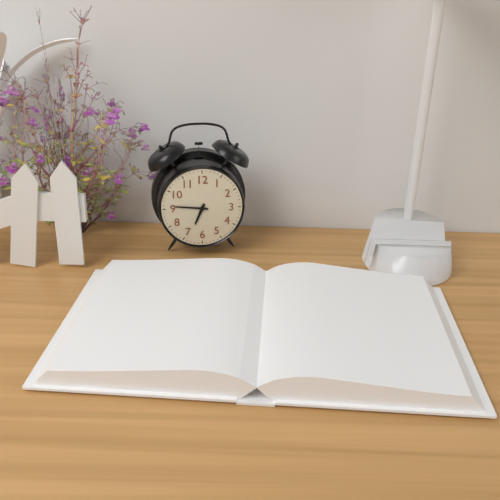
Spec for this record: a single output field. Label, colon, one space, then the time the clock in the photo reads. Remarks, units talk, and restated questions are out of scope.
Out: 6:46
